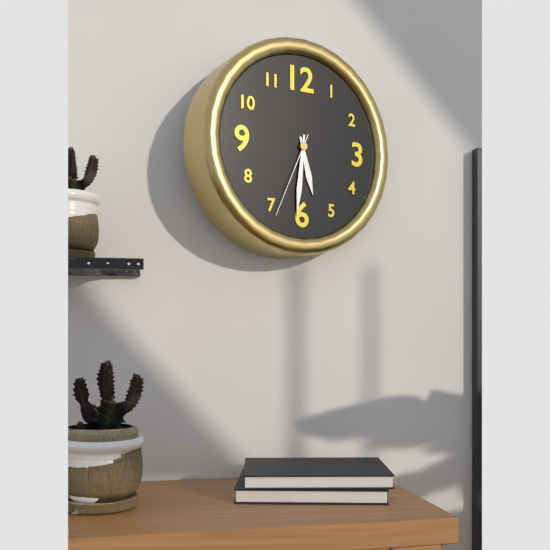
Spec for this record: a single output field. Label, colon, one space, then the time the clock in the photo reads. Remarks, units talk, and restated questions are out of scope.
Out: 5:31:34
